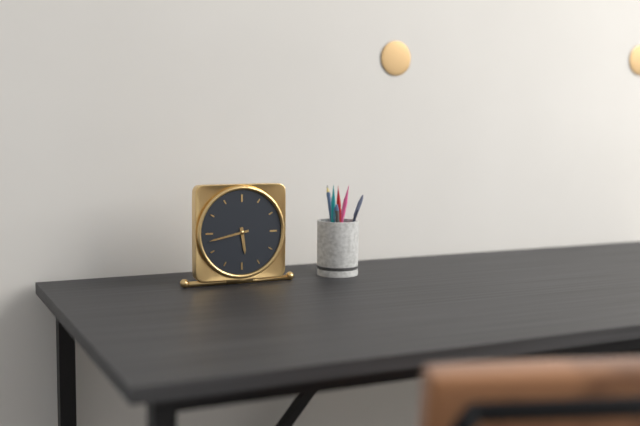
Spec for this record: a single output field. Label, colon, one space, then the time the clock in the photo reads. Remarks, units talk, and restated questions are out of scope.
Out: 5:43
